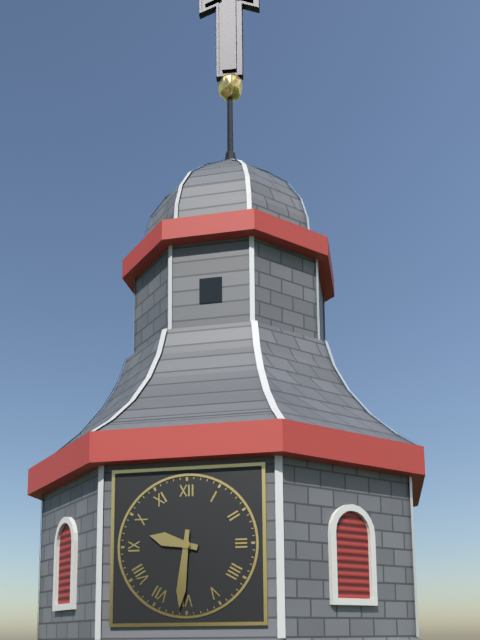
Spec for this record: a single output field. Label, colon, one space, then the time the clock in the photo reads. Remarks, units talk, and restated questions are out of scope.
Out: 9:31
